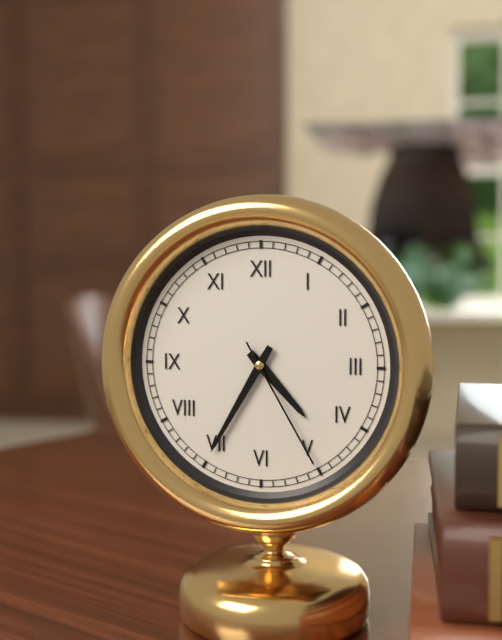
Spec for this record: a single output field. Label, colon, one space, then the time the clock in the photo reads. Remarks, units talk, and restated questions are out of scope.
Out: 4:35:25
